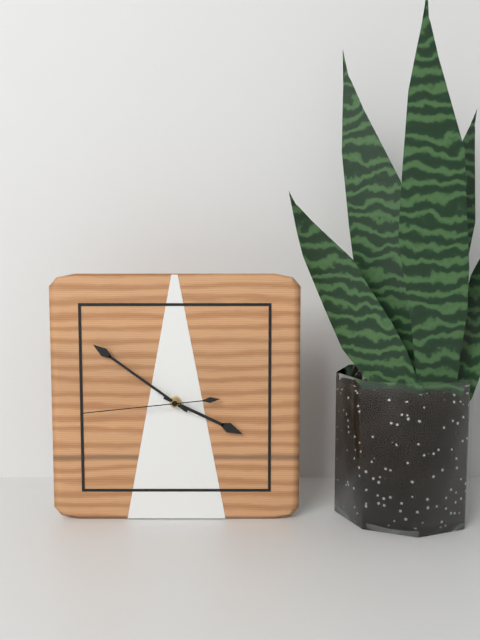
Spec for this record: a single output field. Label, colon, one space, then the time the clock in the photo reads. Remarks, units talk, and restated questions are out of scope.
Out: 3:51:44
